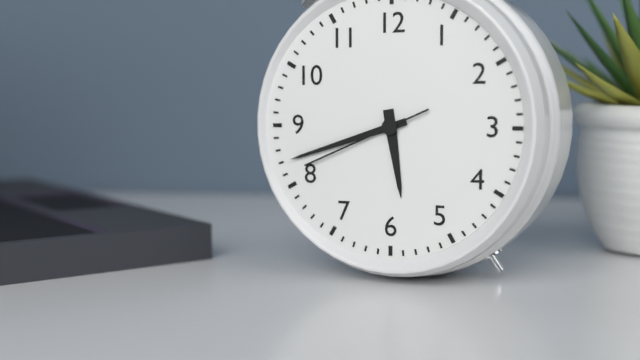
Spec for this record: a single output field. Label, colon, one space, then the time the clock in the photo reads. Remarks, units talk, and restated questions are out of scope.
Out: 5:42:41
